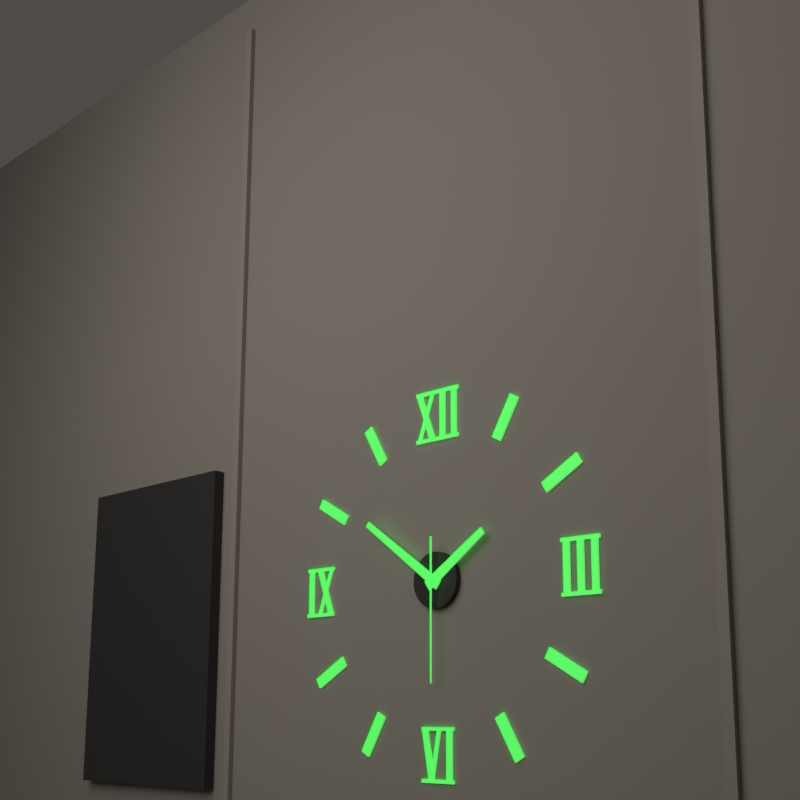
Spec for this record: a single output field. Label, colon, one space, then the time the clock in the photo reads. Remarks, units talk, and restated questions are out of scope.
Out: 1:51:30
